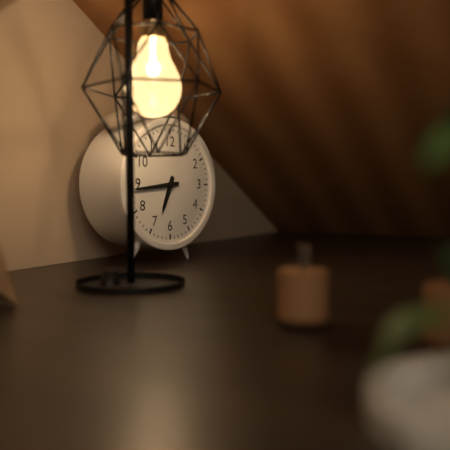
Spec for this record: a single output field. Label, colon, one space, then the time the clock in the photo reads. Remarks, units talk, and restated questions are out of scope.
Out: 6:44
